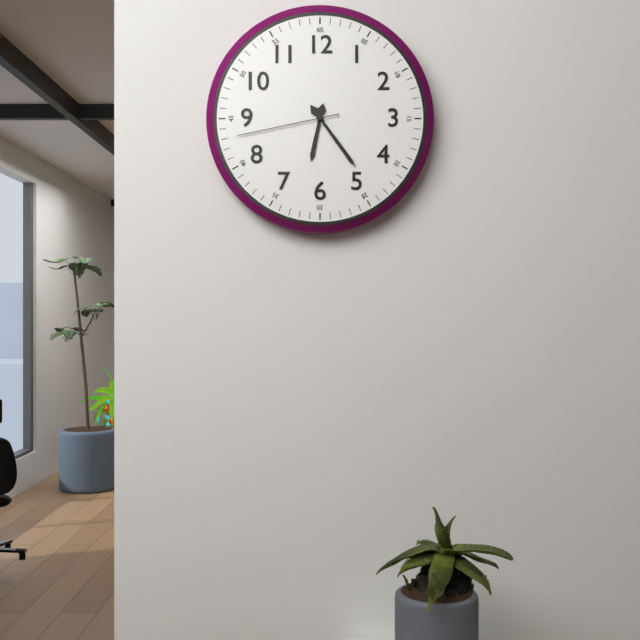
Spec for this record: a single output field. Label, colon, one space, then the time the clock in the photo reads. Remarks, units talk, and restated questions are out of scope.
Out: 6:24:43
